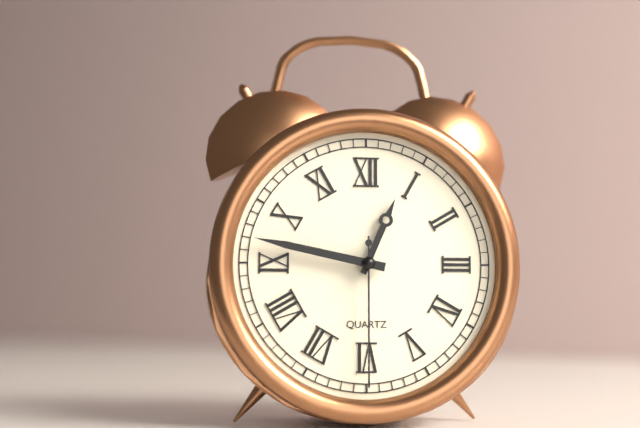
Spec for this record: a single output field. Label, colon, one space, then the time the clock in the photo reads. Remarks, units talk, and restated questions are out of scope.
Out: 12:47:30
